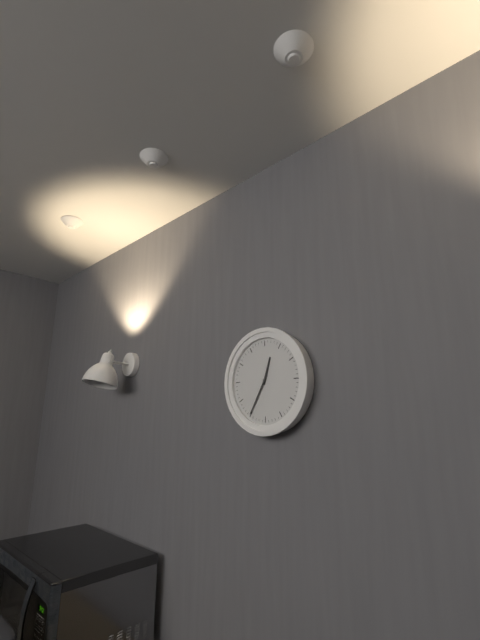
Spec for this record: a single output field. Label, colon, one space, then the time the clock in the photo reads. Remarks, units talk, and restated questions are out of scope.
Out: 12:35
